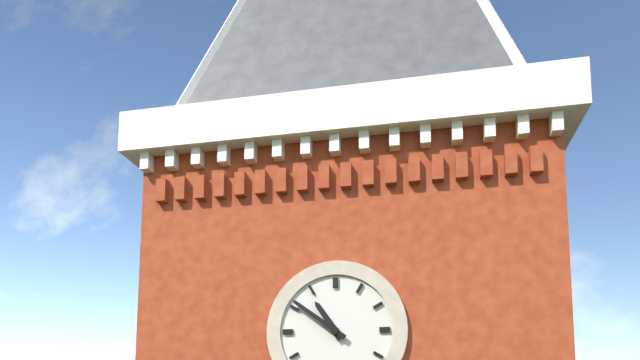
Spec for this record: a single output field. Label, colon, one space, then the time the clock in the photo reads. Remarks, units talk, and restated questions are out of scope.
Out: 10:51
